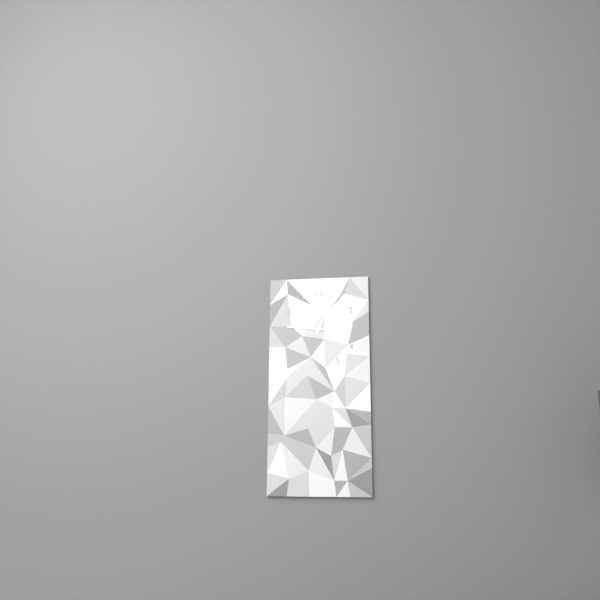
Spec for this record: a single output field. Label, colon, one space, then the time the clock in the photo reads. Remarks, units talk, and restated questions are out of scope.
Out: 12:46
